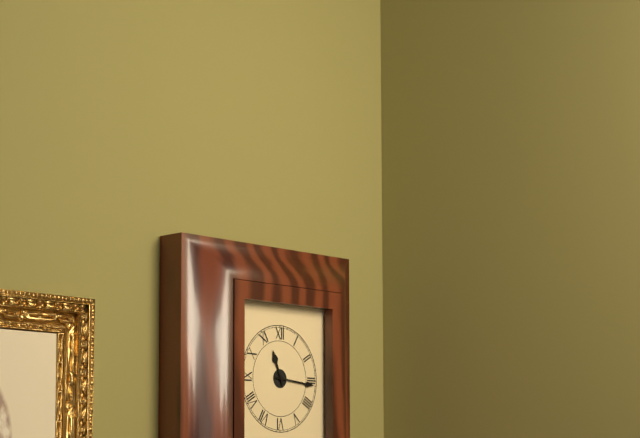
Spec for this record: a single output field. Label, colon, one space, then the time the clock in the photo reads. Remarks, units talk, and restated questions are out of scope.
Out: 11:16
